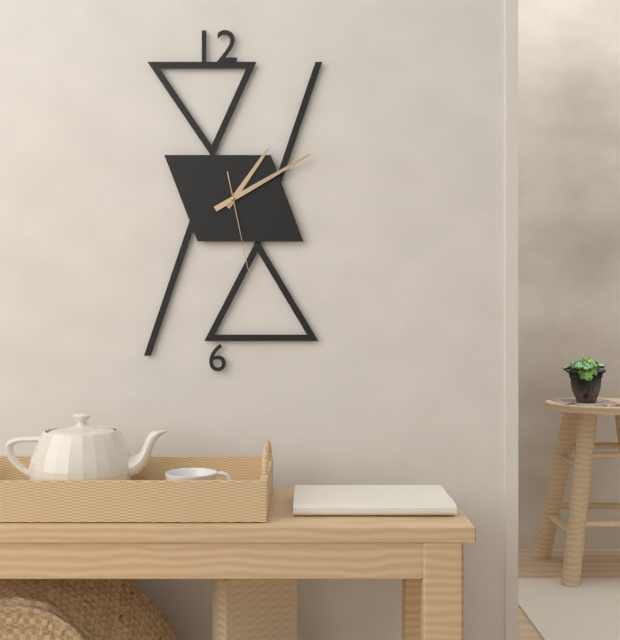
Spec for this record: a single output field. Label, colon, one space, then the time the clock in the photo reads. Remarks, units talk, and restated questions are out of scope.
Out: 1:10:28
